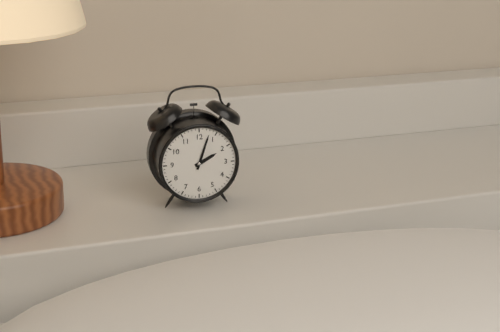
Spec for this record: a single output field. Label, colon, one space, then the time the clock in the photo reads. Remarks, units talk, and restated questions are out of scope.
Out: 2:03
